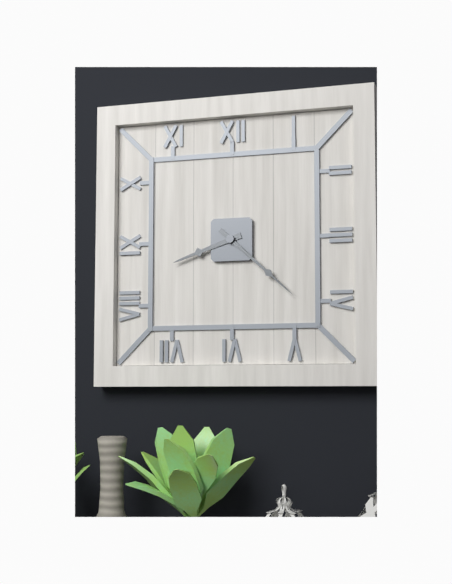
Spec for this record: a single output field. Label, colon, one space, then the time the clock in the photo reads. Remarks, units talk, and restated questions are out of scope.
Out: 8:22
